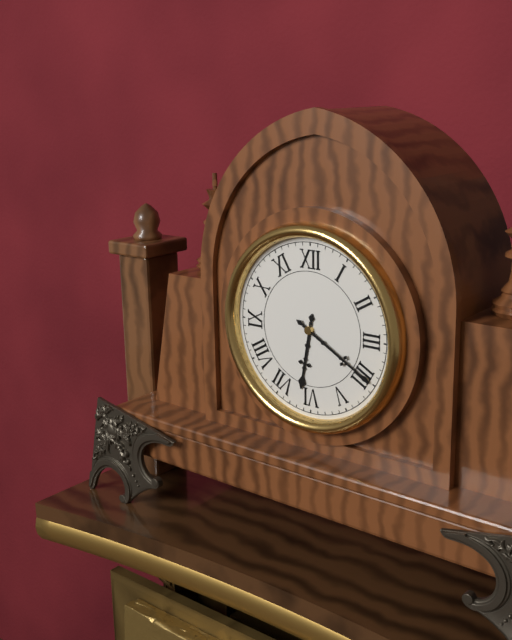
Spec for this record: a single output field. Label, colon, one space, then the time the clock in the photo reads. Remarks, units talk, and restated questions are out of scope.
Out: 6:20
